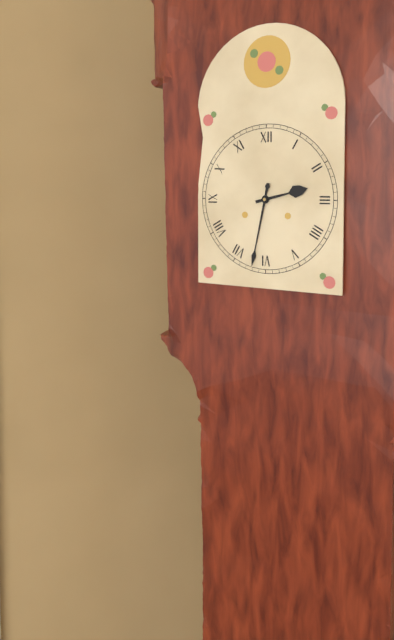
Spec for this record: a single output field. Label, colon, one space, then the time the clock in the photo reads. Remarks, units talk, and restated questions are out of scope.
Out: 2:32
